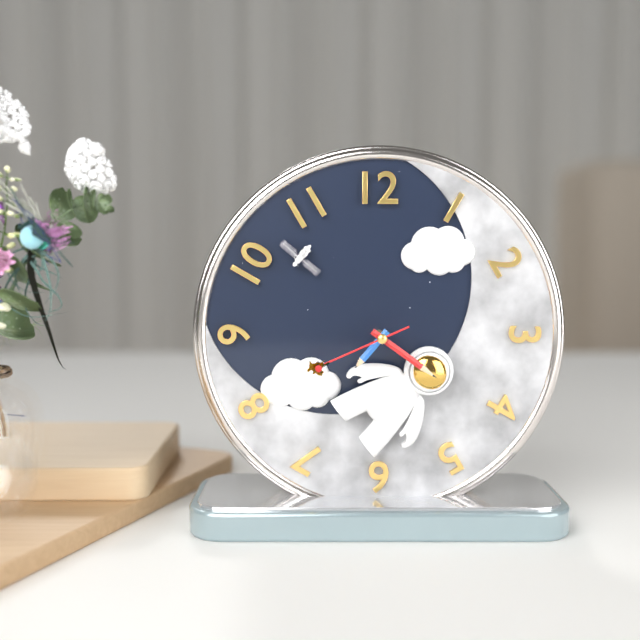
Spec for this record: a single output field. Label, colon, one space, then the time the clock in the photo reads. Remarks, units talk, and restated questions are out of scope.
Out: 7:21:41
